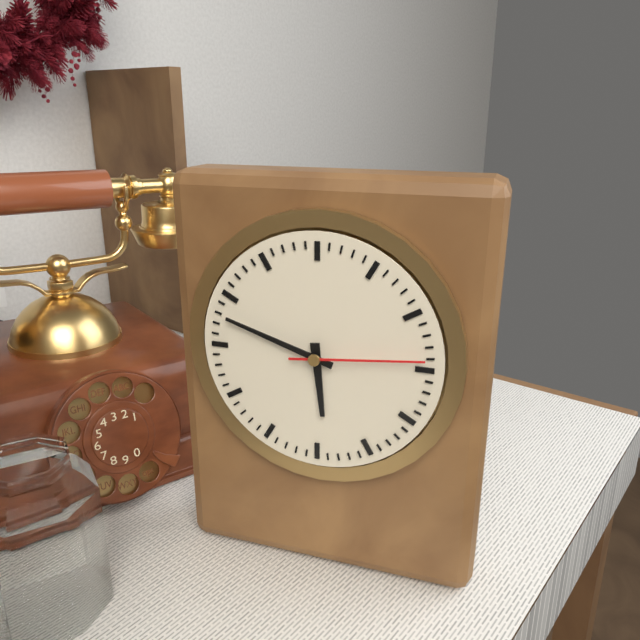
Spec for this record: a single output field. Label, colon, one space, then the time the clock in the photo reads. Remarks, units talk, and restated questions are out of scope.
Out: 5:48:14
